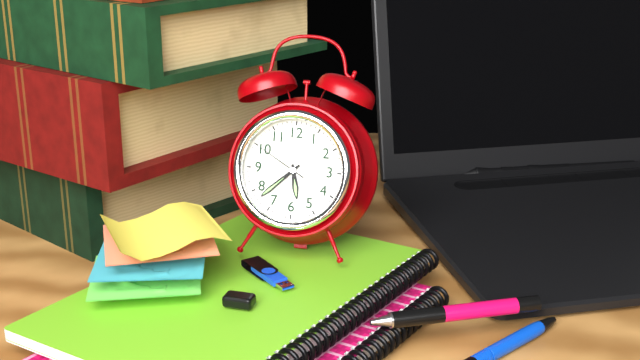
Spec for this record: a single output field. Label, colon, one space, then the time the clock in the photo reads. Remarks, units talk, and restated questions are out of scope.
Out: 5:38:50
